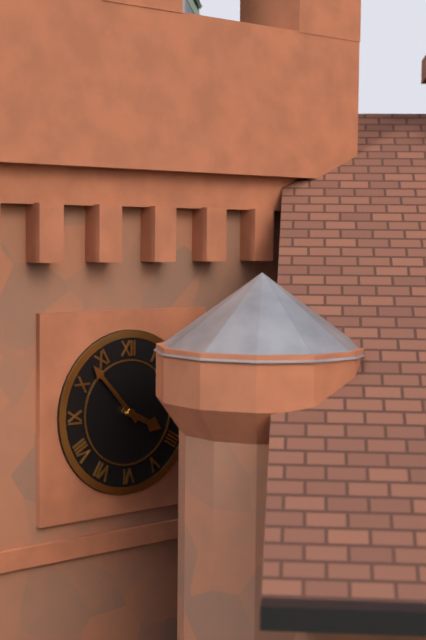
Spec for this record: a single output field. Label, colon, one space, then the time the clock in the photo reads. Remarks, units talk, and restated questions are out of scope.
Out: 3:53
